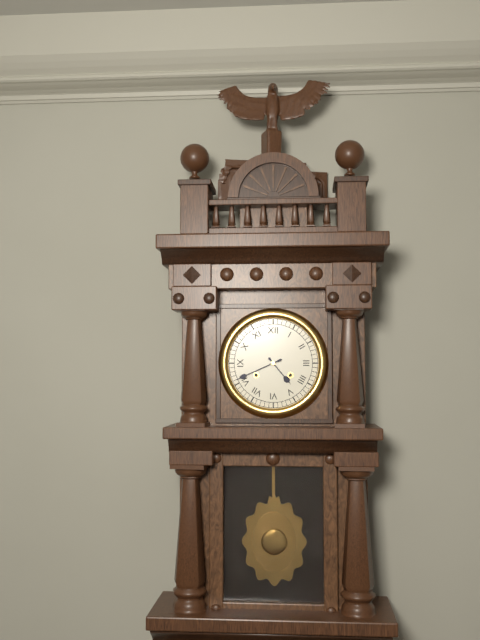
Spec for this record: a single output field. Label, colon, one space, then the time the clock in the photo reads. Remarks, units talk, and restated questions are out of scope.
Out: 4:41
